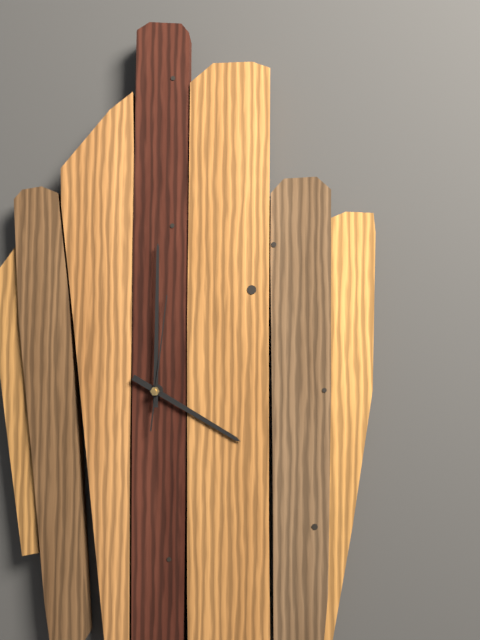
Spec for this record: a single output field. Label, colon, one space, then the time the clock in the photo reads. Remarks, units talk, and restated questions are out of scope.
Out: 4:00:01
